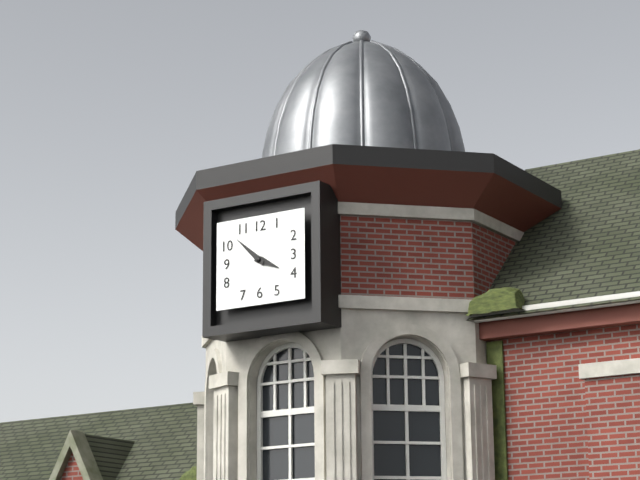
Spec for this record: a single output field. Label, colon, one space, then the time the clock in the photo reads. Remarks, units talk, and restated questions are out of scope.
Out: 3:52
